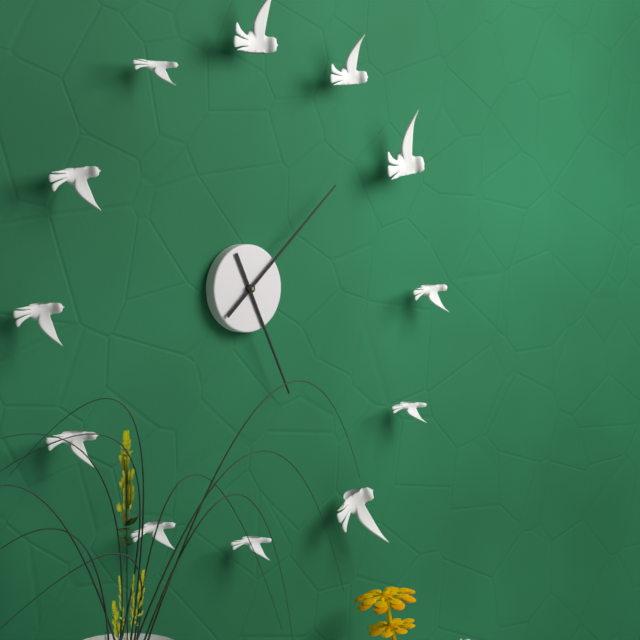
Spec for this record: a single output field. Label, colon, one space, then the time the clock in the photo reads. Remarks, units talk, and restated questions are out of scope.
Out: 5:08
